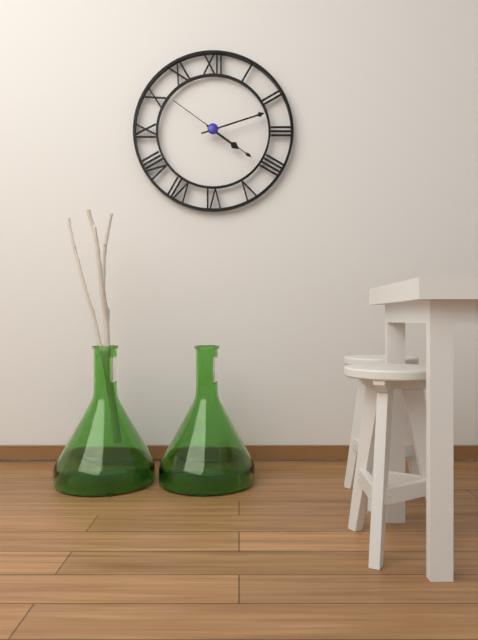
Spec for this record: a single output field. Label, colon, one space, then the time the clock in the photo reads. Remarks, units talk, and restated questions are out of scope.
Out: 4:12:51
